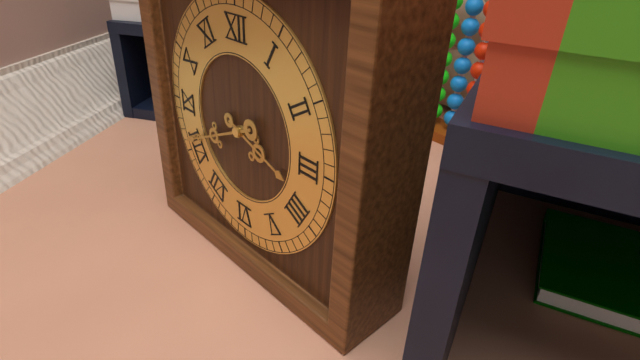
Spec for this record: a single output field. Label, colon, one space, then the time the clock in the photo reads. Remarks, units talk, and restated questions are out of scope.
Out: 3:41
